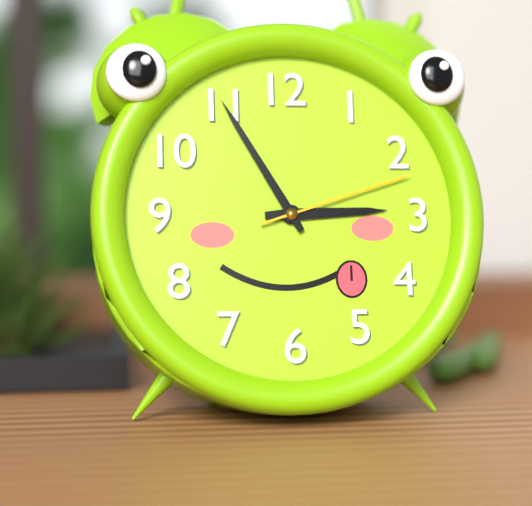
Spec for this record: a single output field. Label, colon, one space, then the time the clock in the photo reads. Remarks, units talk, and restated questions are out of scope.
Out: 2:55:12
